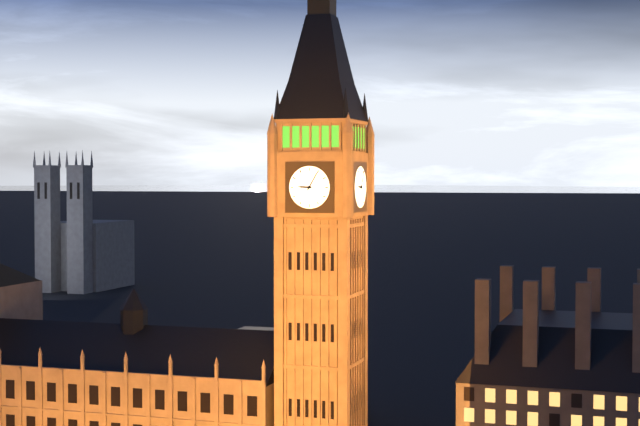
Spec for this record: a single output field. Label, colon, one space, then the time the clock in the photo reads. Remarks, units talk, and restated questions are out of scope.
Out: 9:05
